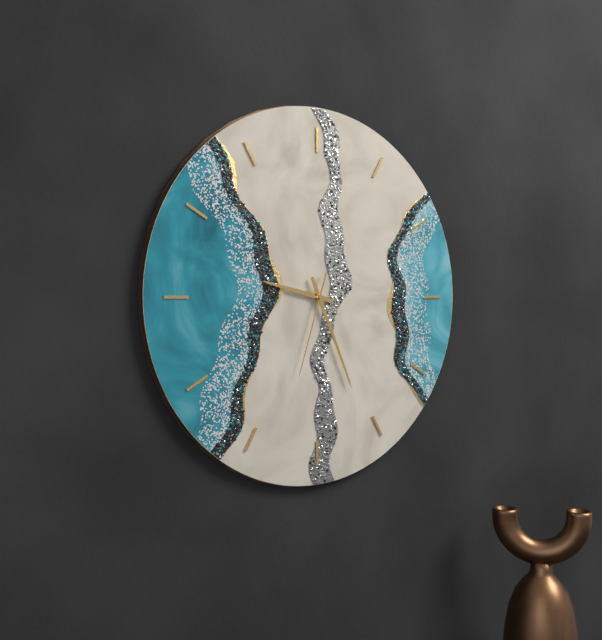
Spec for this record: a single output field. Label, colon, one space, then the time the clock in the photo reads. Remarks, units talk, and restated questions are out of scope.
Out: 9:26:33
